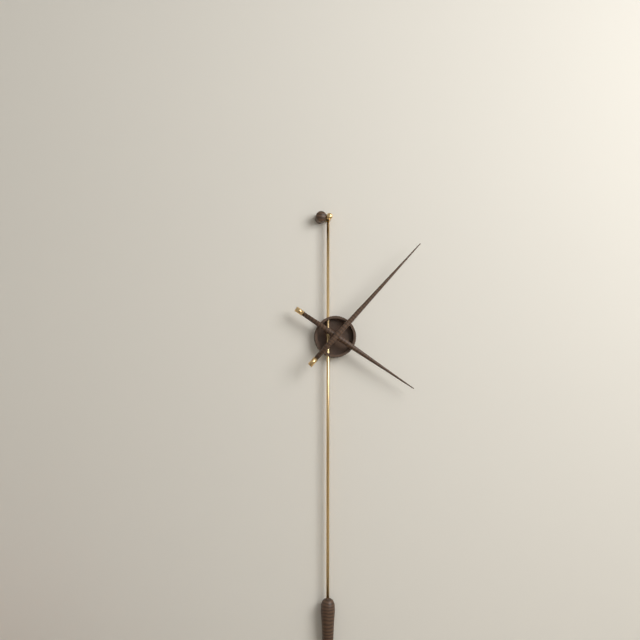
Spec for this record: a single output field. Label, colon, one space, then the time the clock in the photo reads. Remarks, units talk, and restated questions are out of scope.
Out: 4:07
